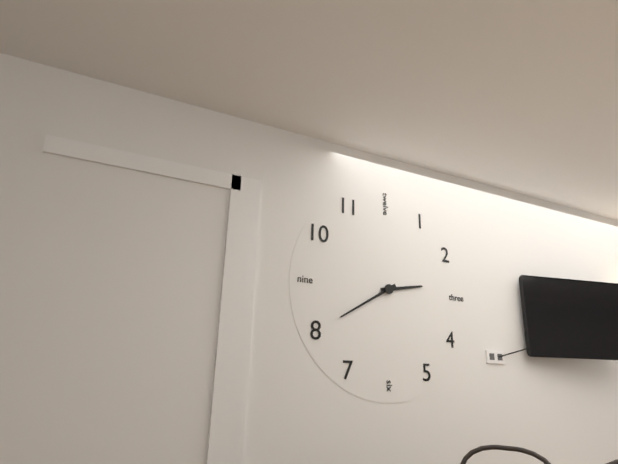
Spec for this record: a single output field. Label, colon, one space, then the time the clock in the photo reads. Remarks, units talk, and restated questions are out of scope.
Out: 2:40
